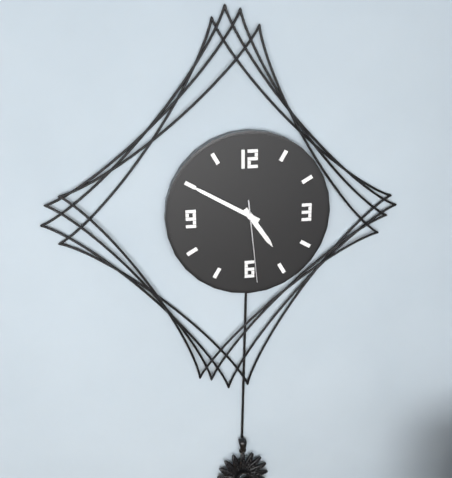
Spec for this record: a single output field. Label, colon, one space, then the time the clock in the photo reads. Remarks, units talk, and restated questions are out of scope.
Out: 4:50:29
